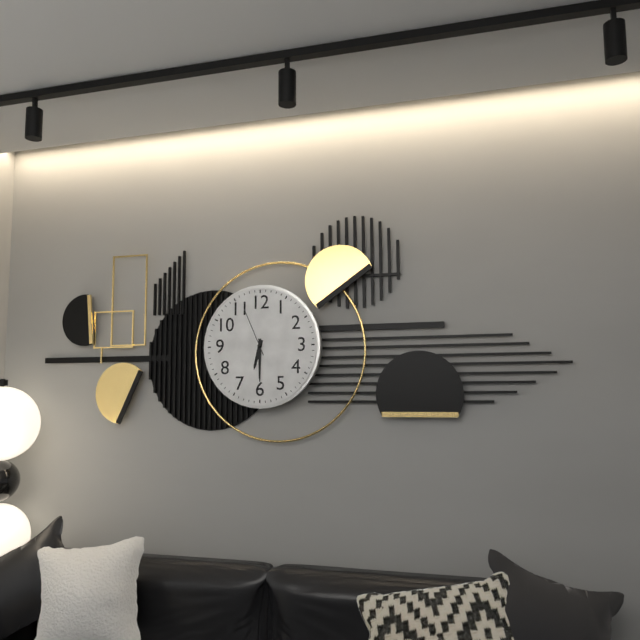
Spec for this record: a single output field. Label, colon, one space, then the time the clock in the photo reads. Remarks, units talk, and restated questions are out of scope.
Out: 6:30:56
